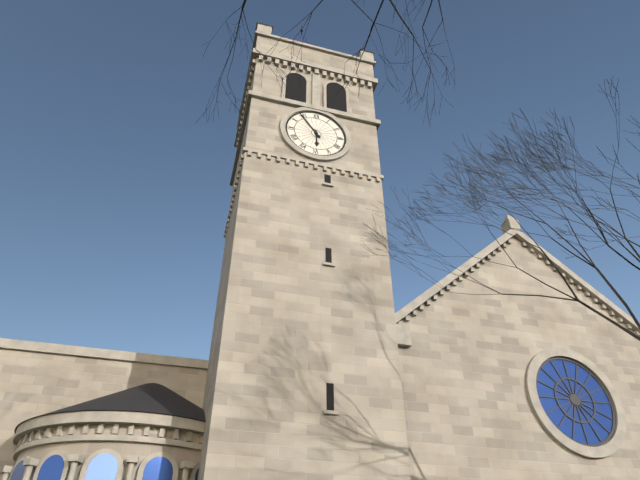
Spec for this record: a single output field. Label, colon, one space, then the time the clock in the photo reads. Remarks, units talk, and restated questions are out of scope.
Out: 5:54
